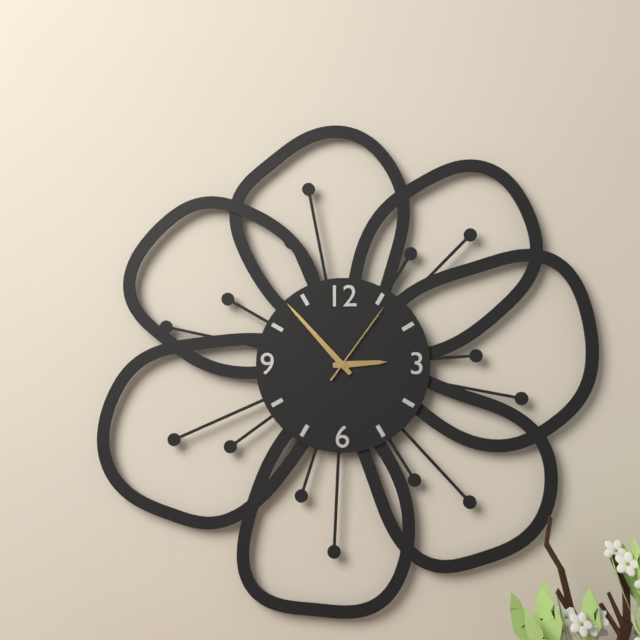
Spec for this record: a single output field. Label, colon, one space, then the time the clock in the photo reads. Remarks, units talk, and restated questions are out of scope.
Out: 2:53:06
